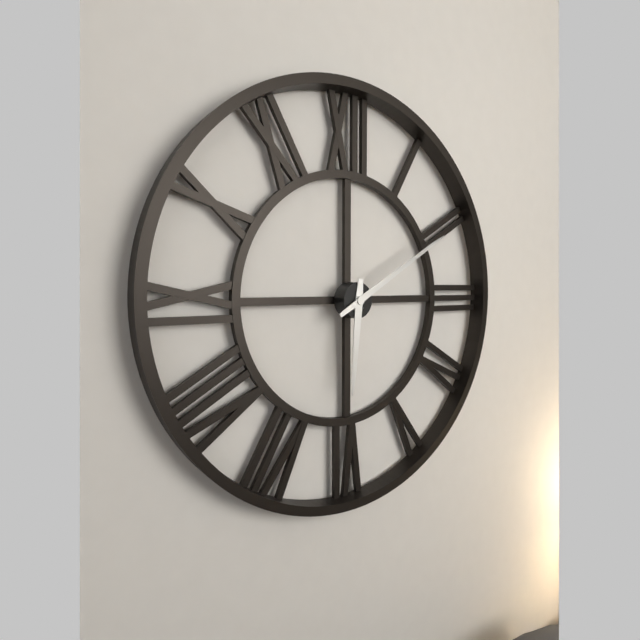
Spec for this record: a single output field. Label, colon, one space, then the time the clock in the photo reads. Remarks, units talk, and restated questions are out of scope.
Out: 6:10
